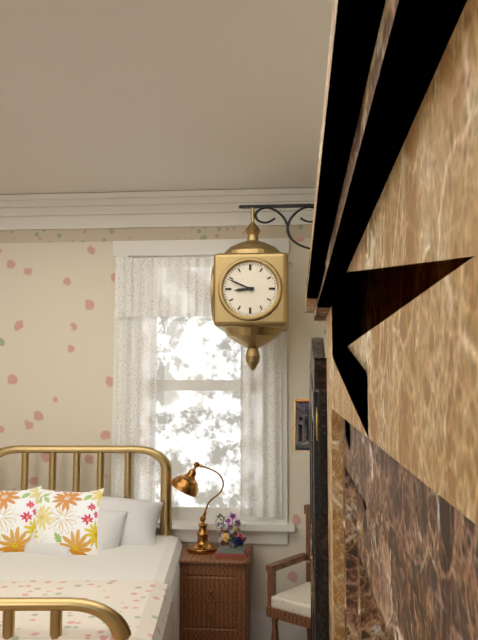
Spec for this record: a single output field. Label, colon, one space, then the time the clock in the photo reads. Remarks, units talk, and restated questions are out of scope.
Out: 8:49
